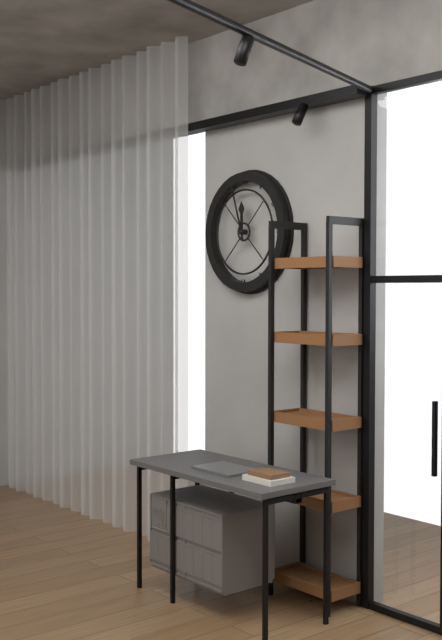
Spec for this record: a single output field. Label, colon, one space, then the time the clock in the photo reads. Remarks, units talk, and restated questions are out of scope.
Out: 11:57
